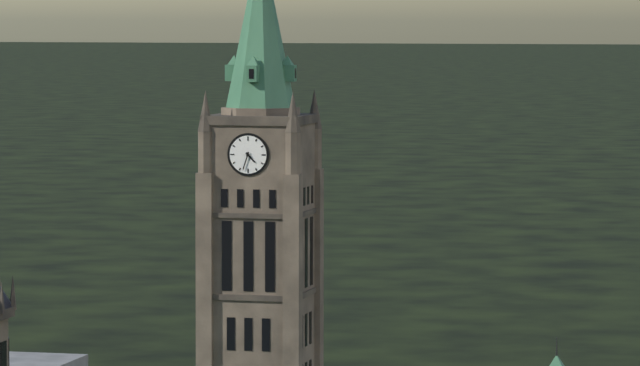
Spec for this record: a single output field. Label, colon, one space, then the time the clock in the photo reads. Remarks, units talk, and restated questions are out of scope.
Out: 4:33
